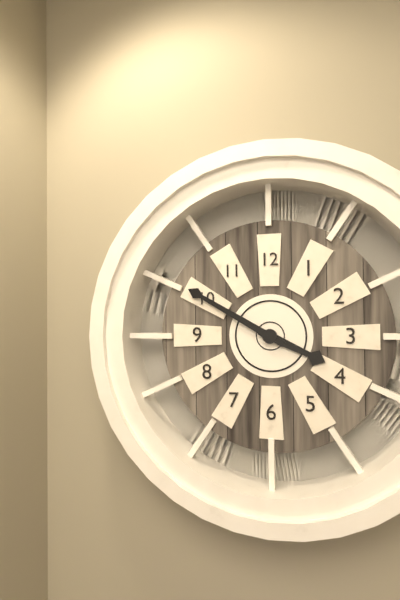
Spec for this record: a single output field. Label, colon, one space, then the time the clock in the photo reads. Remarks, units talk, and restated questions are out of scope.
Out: 3:50
